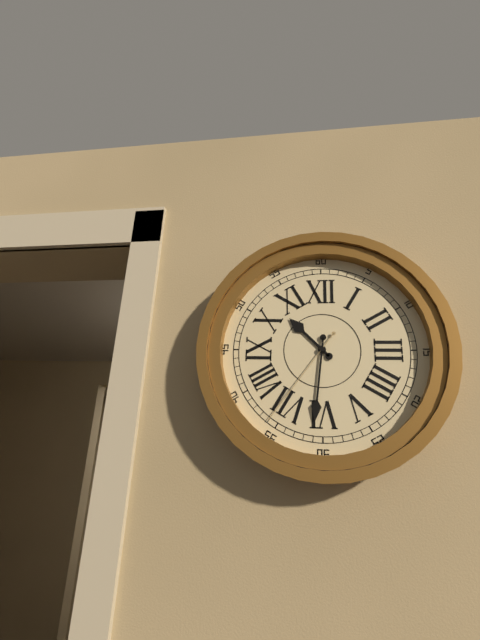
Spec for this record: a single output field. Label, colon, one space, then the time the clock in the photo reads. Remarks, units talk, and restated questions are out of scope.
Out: 10:31:36
